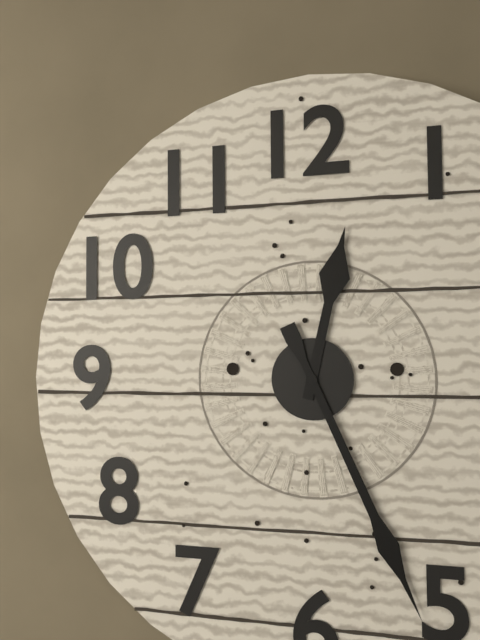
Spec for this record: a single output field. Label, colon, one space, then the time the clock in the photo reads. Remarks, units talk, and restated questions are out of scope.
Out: 12:26
